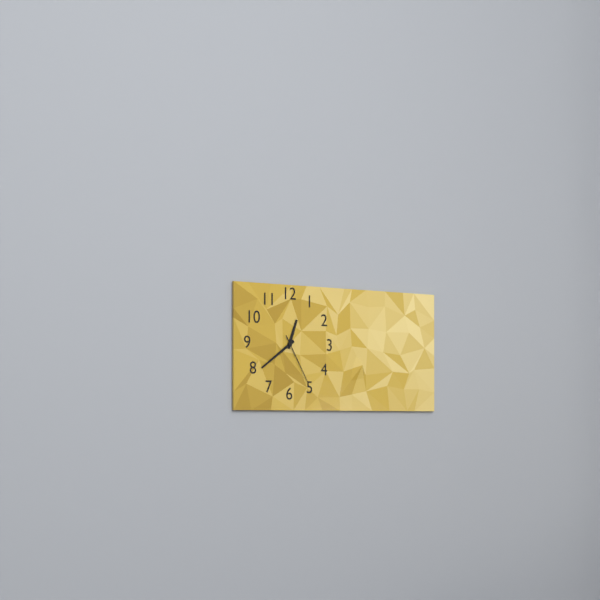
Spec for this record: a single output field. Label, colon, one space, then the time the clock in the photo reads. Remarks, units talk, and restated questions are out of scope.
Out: 12:39:25
